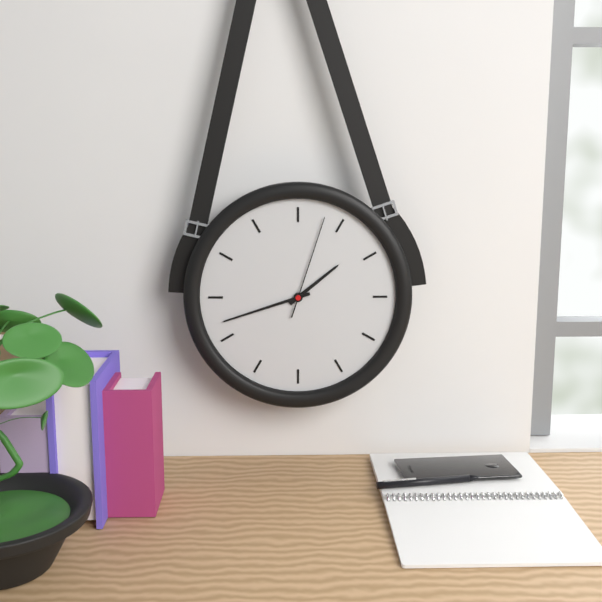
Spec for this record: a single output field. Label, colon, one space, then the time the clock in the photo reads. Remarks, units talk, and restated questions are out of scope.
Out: 1:42:03
